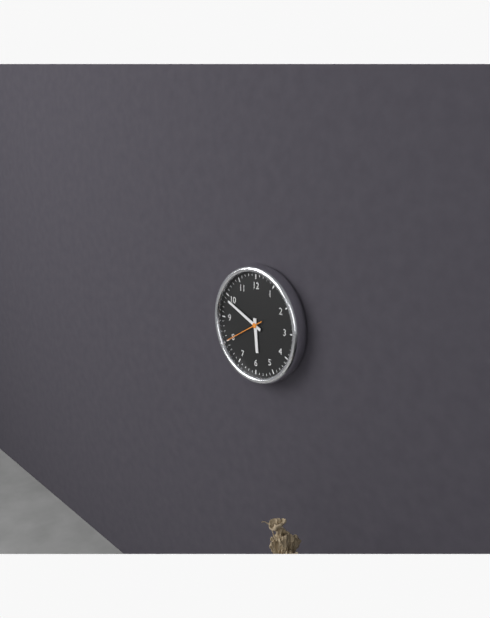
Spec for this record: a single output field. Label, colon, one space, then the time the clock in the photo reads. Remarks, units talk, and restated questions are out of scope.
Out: 5:49
